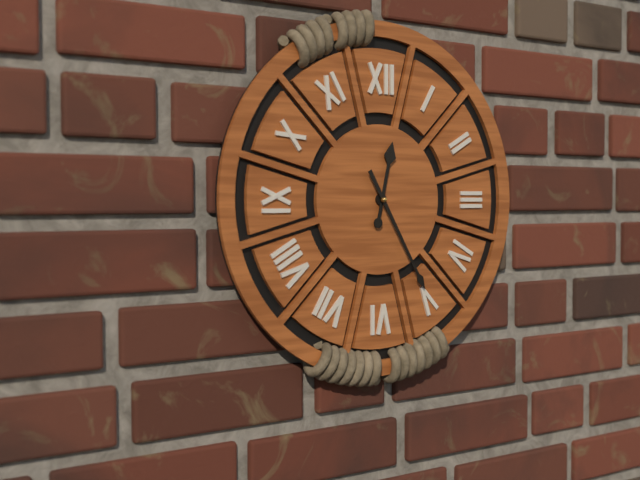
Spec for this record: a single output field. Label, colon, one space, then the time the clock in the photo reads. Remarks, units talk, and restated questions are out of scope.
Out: 12:25
